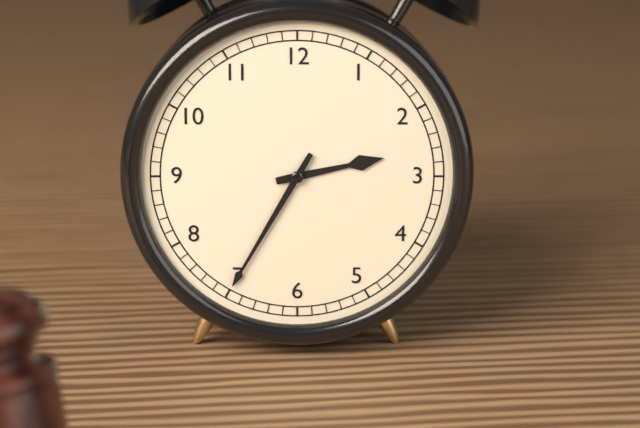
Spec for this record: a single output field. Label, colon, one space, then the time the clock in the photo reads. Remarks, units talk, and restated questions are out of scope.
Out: 2:35
